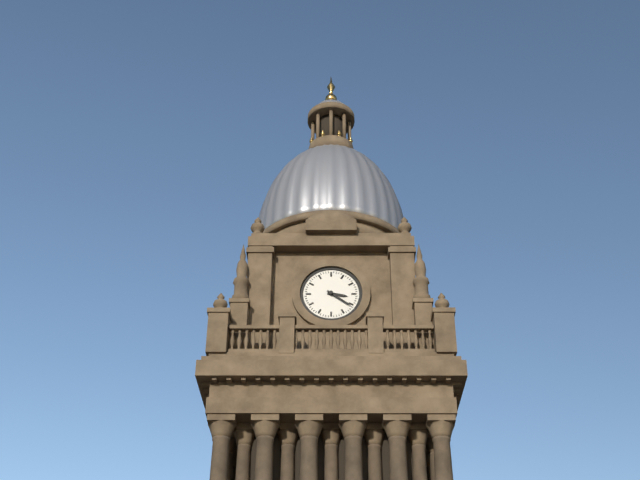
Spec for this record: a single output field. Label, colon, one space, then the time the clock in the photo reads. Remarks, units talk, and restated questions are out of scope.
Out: 3:21
